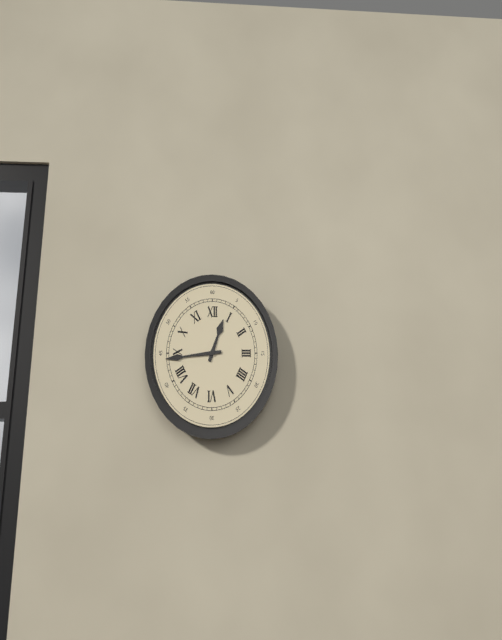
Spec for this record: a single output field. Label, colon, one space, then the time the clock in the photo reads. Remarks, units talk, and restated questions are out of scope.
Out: 12:44
